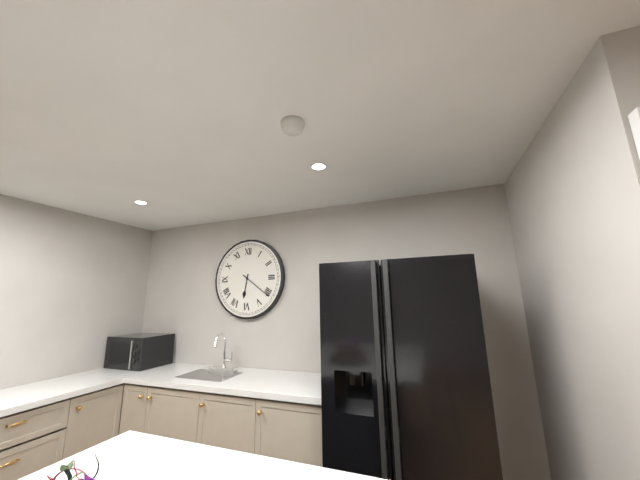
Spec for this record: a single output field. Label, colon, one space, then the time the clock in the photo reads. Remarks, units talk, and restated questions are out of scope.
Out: 6:21
